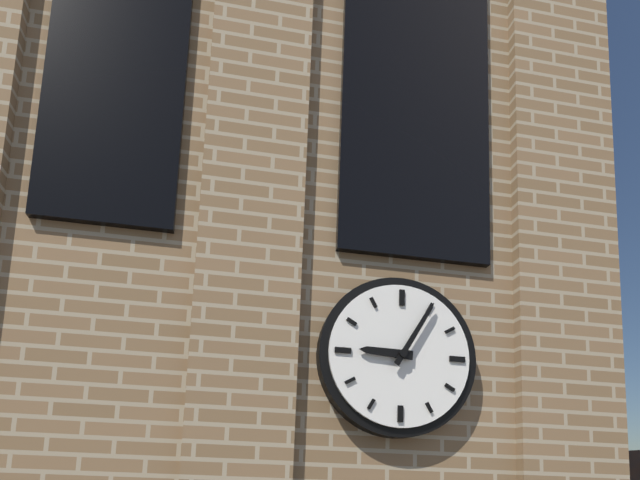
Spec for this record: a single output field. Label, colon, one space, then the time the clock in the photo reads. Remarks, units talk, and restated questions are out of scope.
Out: 9:05
